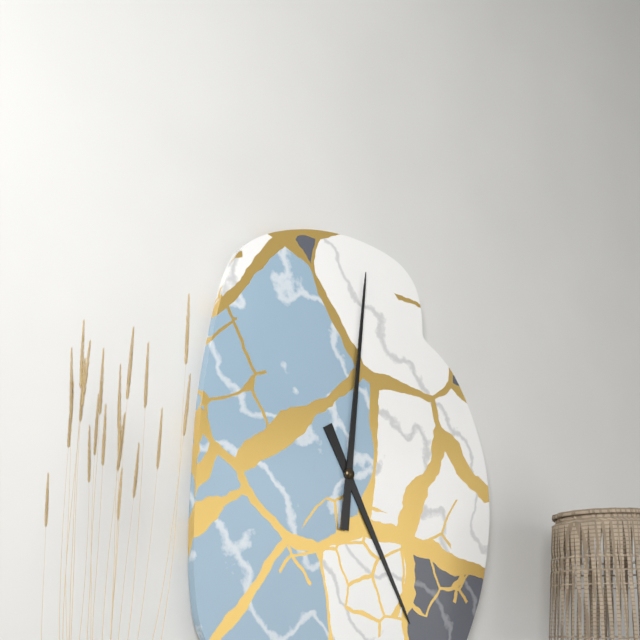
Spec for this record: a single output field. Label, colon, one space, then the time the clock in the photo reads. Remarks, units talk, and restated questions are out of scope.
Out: 5:01
